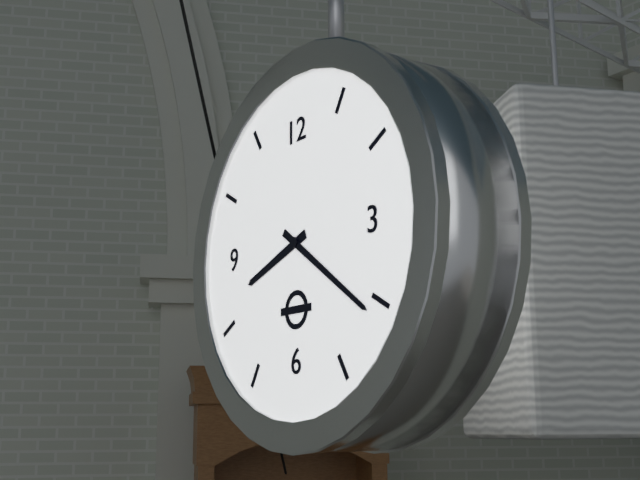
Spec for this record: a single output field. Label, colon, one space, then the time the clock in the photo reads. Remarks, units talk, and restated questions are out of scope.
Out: 8:21
